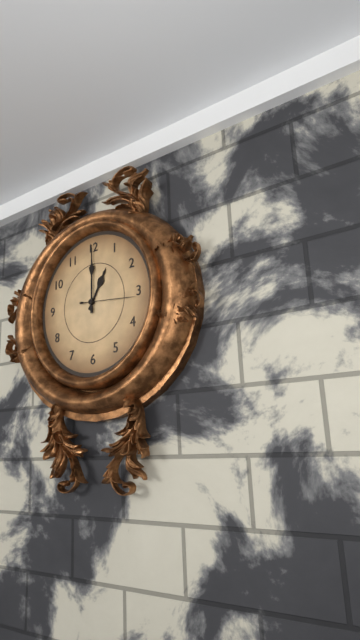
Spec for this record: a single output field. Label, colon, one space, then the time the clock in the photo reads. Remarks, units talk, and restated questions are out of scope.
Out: 1:00
